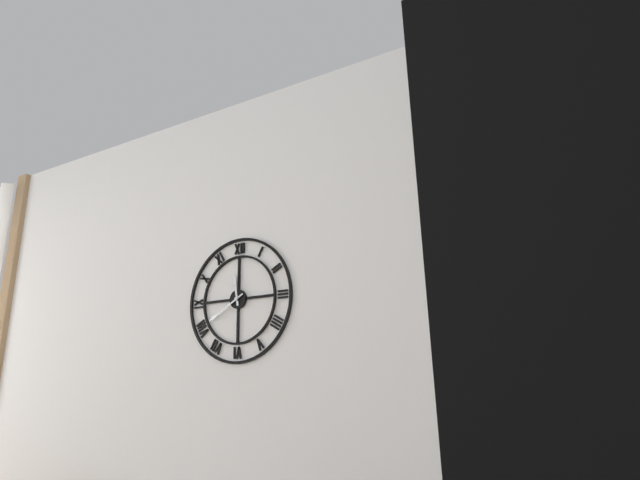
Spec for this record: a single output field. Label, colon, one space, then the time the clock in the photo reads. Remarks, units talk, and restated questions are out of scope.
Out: 11:40
